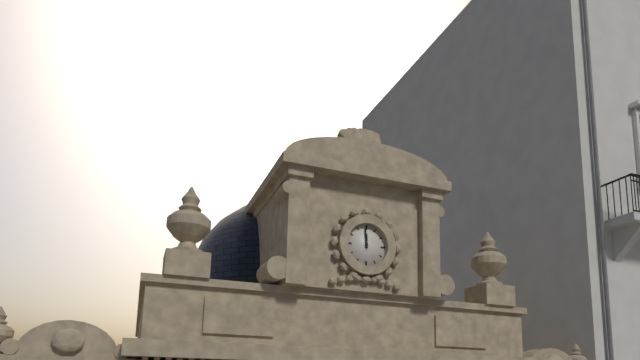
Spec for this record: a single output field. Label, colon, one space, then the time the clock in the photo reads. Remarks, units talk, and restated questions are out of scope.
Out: 11:59
